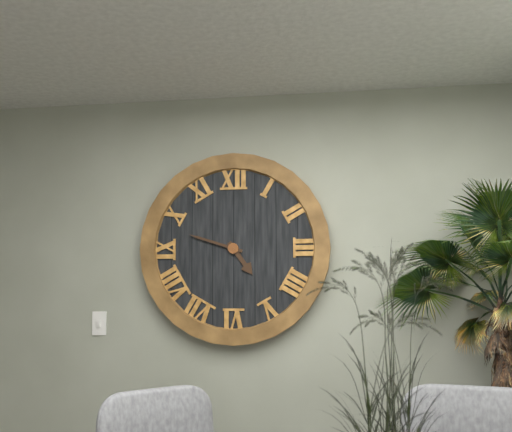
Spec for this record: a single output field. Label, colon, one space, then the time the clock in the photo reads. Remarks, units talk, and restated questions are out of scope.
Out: 4:48
